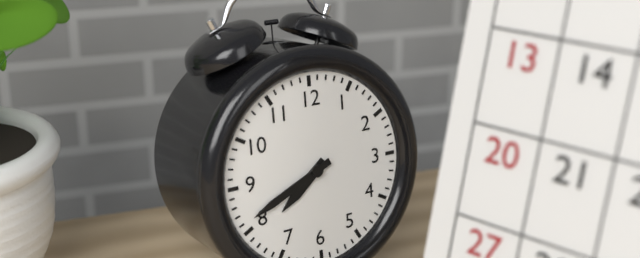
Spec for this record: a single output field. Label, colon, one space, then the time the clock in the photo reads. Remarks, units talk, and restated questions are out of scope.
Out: 7:41
